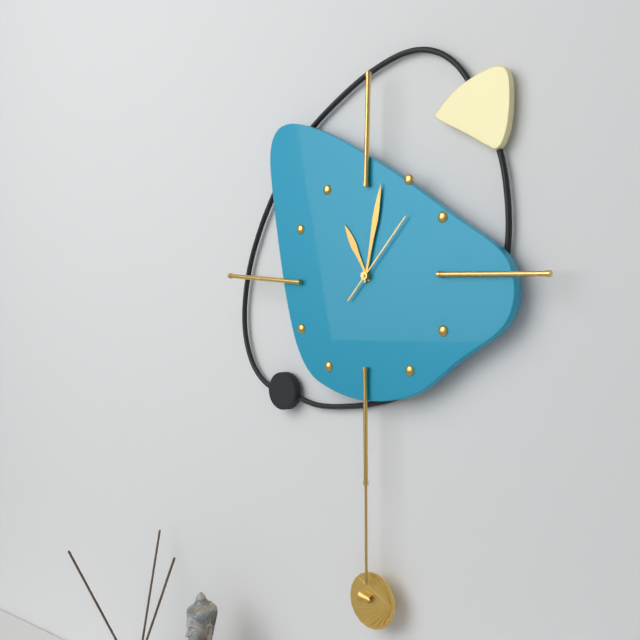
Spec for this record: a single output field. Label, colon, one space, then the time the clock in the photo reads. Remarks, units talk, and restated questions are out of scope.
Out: 11:02:07
